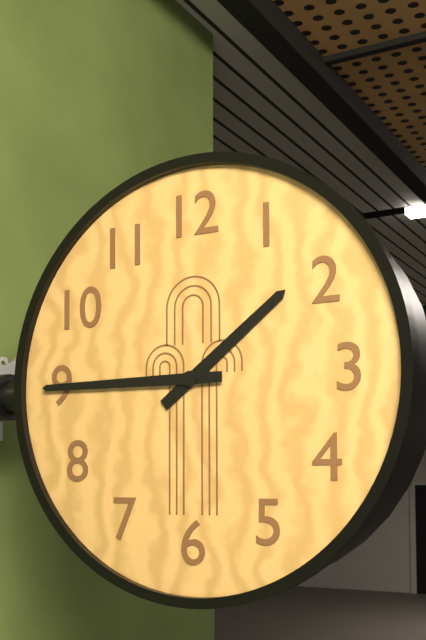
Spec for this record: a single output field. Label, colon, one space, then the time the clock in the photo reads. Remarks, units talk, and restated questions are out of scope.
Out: 1:45
